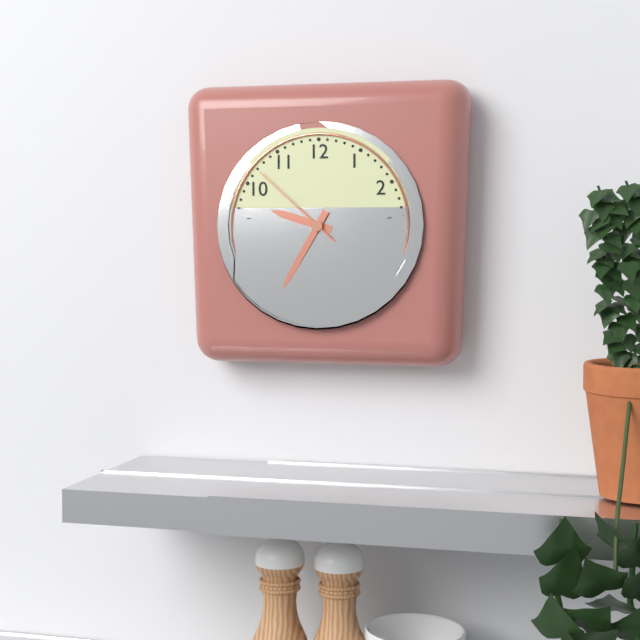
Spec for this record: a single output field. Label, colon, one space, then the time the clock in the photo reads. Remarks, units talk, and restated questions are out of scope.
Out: 9:35:52
